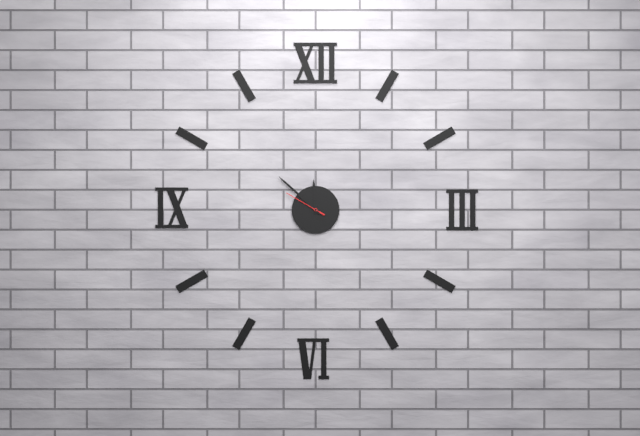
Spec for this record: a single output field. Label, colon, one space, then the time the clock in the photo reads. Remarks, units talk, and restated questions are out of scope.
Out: 11:52
